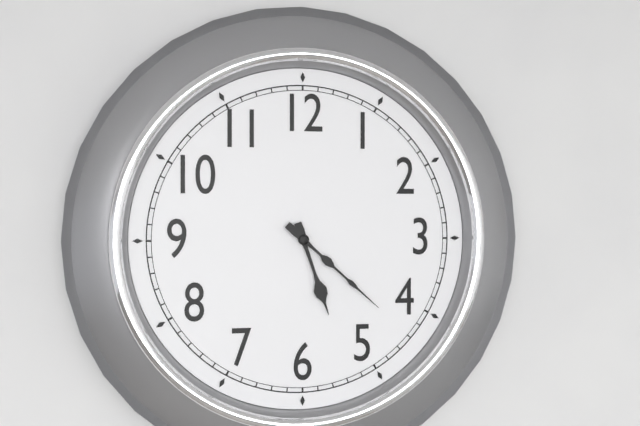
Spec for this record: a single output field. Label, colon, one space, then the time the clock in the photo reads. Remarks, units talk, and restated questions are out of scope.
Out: 5:22
